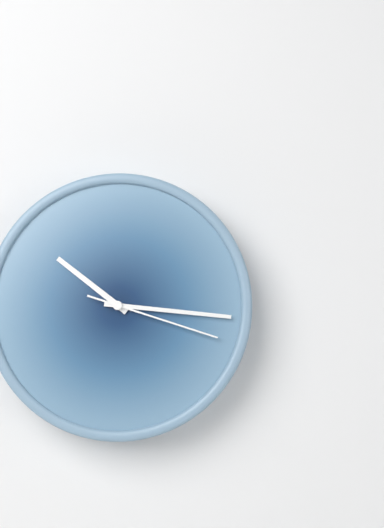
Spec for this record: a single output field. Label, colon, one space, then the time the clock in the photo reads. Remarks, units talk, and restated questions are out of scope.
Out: 10:16:18
